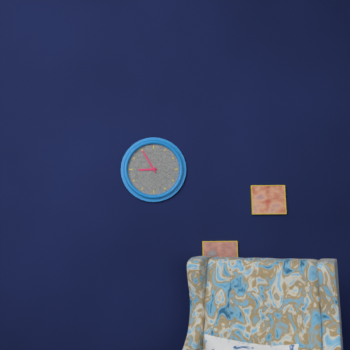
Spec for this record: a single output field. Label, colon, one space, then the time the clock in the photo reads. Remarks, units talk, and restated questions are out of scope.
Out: 8:55
